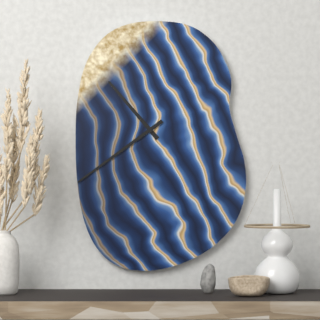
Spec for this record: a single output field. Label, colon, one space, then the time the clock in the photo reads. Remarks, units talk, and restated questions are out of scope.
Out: 10:39
